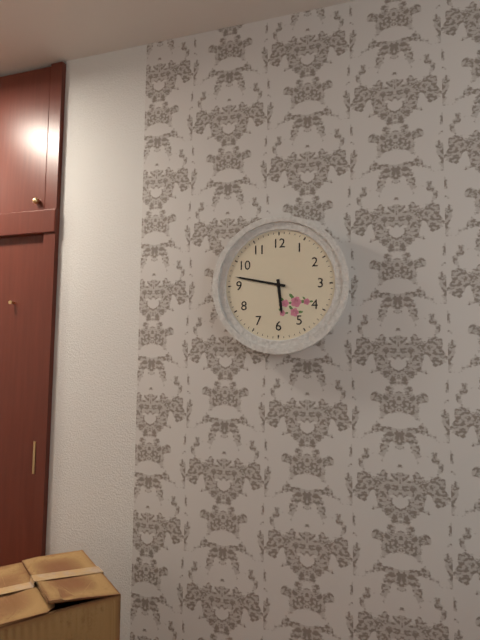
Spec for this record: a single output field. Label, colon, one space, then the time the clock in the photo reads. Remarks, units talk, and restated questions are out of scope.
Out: 5:47
